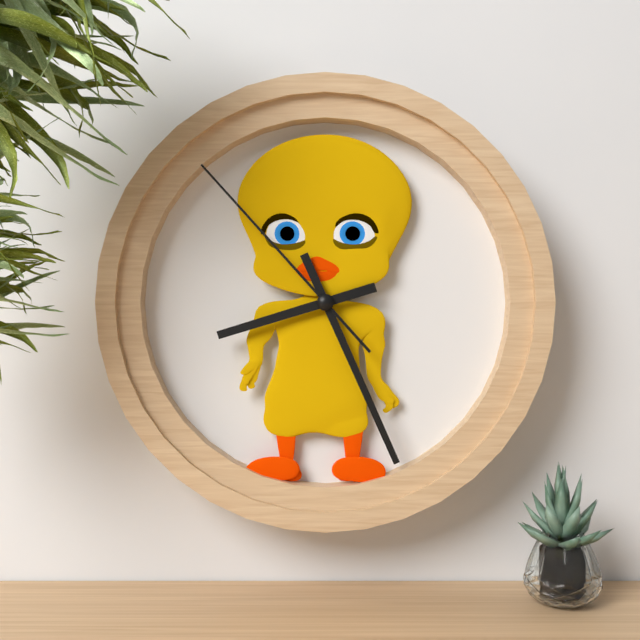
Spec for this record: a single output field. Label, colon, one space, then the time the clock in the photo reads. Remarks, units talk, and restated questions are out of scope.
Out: 8:26:53
